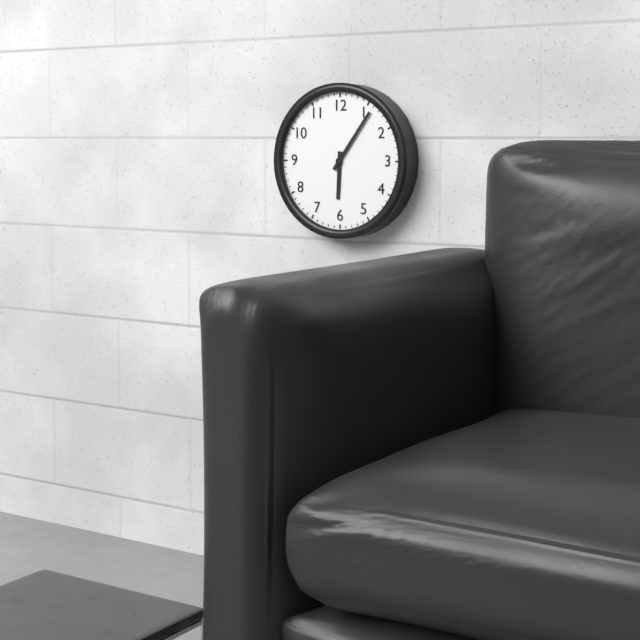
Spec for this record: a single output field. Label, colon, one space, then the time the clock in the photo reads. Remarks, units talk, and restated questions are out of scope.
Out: 6:06
